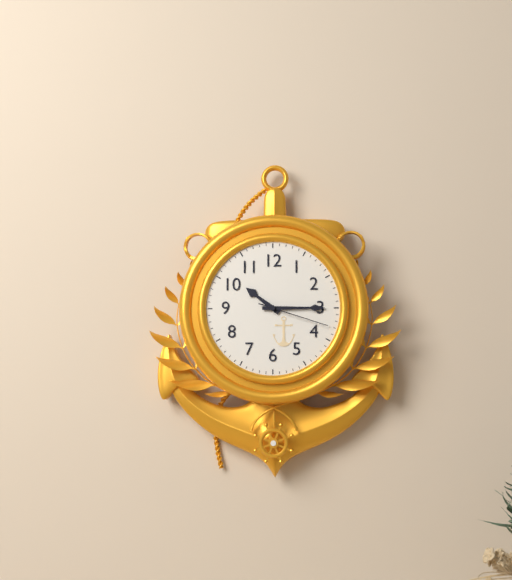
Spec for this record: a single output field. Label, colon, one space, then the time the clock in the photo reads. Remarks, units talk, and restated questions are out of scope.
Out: 10:15:18
